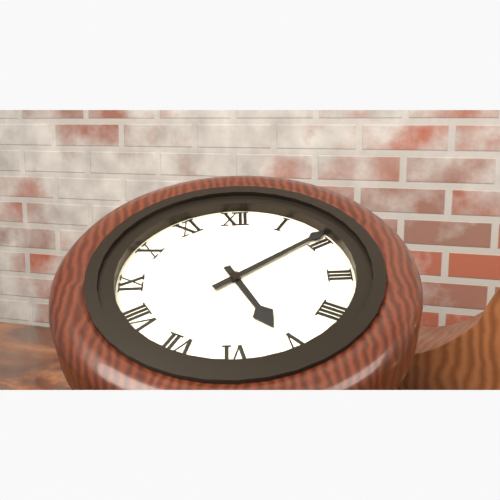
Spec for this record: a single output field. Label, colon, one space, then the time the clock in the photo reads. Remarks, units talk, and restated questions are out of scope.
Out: 5:09
